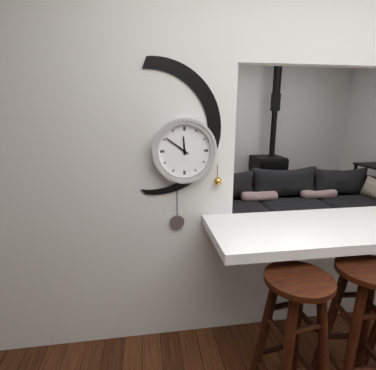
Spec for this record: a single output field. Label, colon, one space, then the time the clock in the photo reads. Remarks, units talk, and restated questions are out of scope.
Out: 11:51
